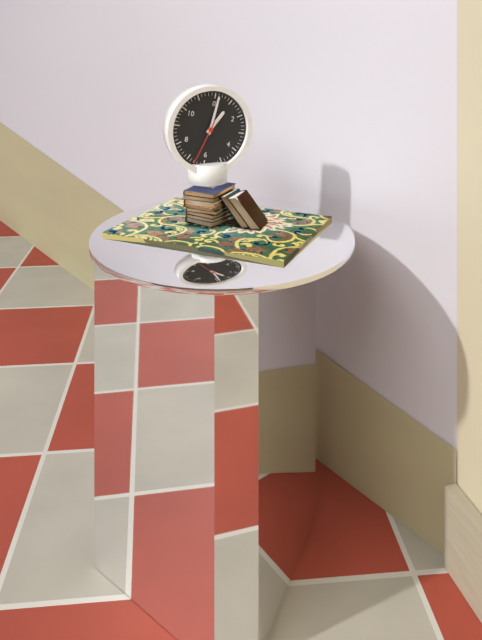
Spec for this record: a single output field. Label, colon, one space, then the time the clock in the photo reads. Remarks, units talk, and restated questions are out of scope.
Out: 1:01
